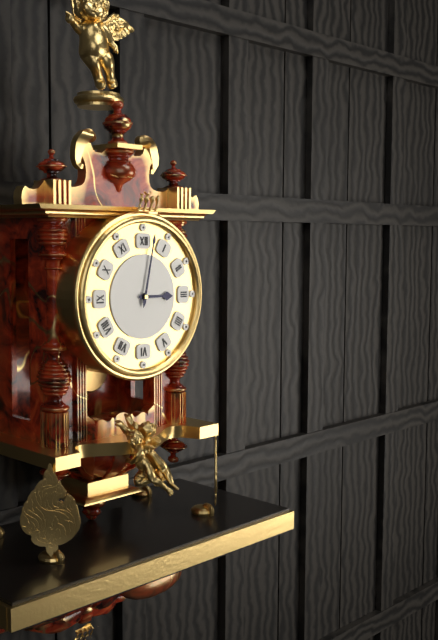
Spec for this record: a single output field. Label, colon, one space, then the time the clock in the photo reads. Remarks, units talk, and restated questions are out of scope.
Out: 3:02
